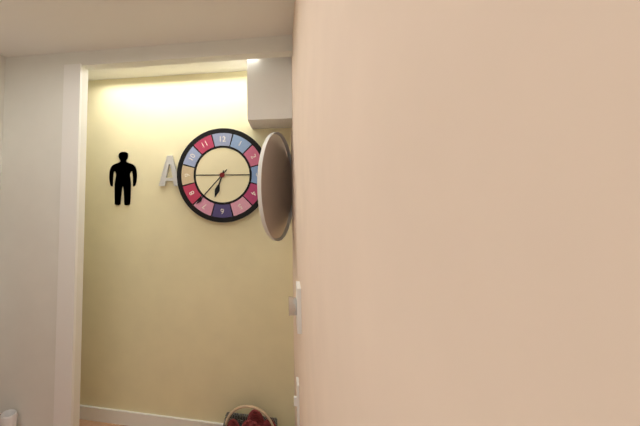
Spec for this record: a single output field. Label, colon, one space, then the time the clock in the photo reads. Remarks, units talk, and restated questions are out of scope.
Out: 6:37
